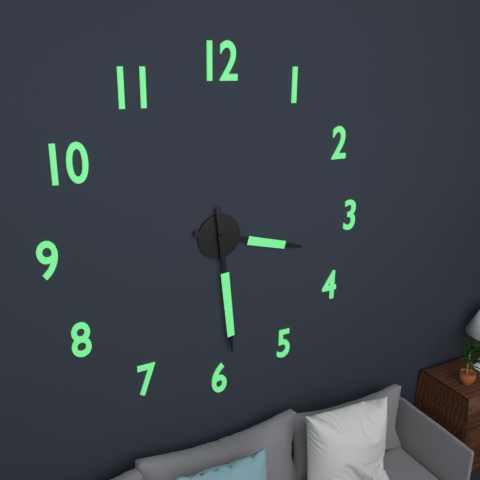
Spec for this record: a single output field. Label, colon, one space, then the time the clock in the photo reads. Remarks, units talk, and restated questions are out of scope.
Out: 3:29
